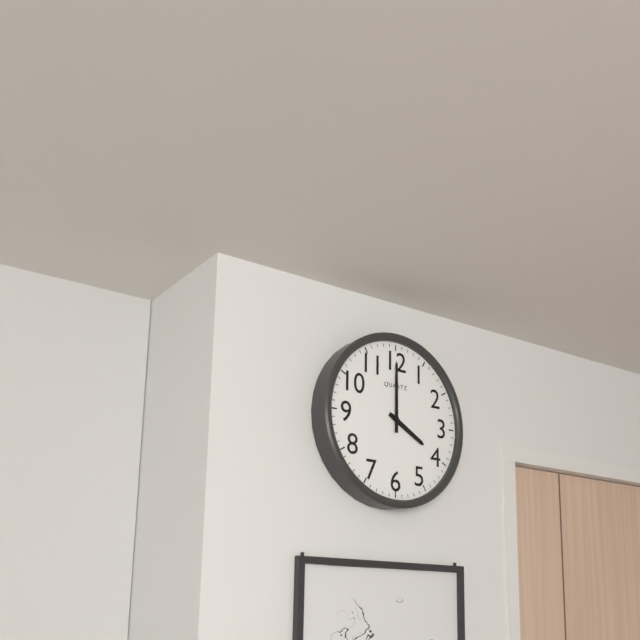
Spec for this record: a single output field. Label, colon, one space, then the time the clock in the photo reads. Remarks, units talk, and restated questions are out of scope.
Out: 4:00
